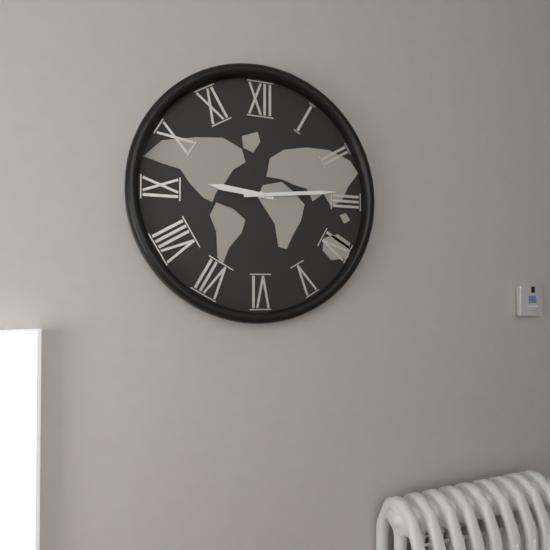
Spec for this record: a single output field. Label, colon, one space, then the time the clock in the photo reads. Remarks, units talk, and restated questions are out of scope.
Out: 9:14
